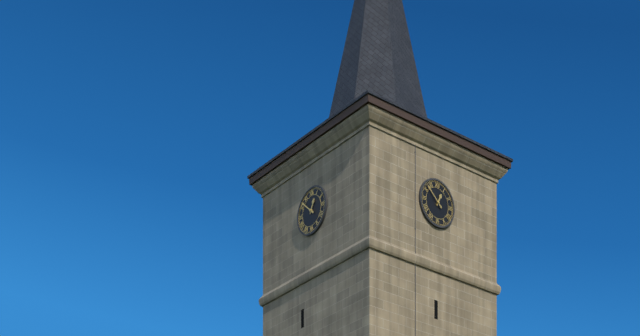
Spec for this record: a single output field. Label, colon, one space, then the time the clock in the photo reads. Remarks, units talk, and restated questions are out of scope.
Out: 12:52
